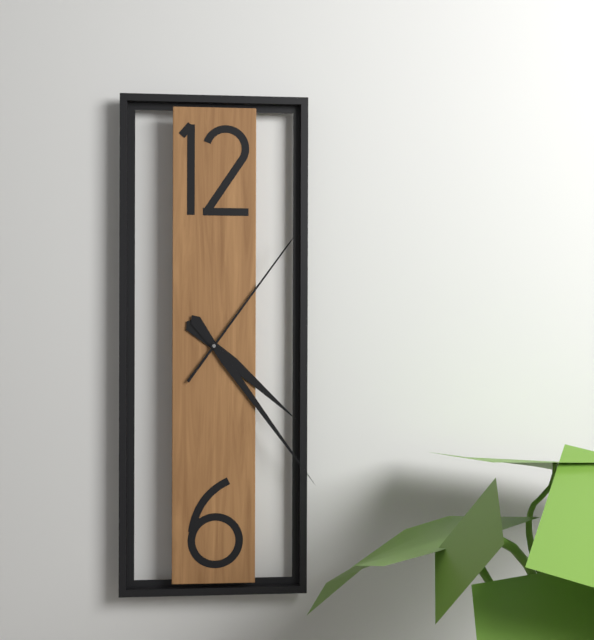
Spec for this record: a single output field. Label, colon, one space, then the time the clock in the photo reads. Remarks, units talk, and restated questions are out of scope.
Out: 4:24:06
